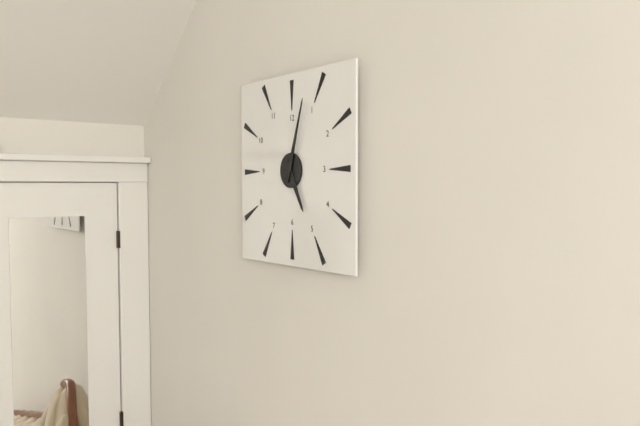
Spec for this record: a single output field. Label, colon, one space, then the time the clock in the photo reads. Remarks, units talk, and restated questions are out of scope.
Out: 5:03
